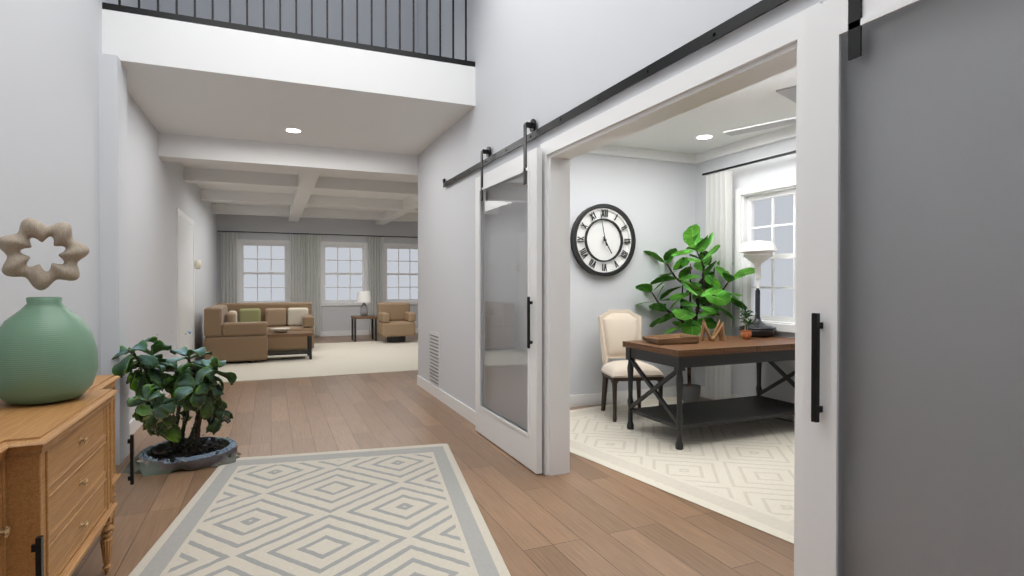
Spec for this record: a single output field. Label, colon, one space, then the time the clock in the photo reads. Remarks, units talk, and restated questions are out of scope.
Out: 4:58
